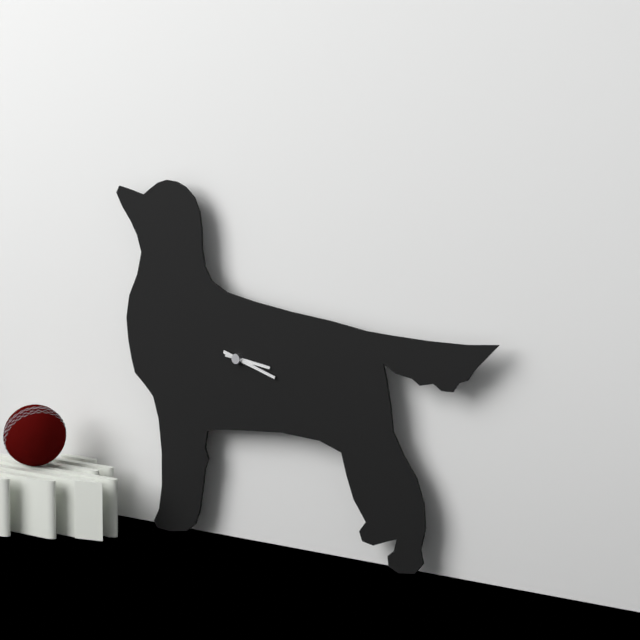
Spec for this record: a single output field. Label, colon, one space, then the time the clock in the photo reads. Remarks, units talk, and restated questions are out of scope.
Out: 3:18
